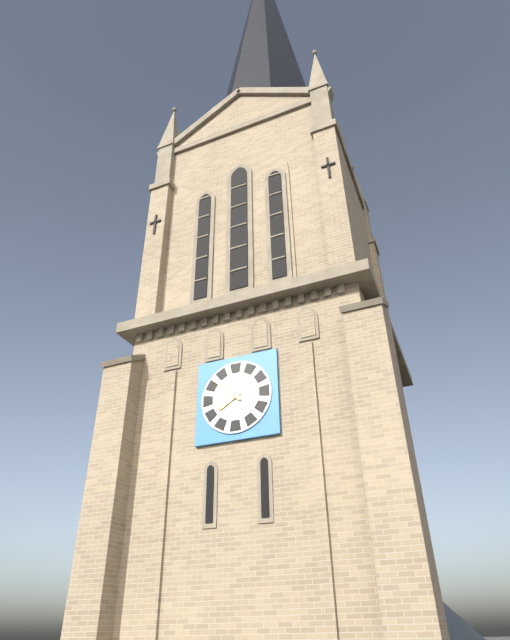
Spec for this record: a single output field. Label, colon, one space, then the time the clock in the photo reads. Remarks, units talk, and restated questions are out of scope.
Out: 7:52
